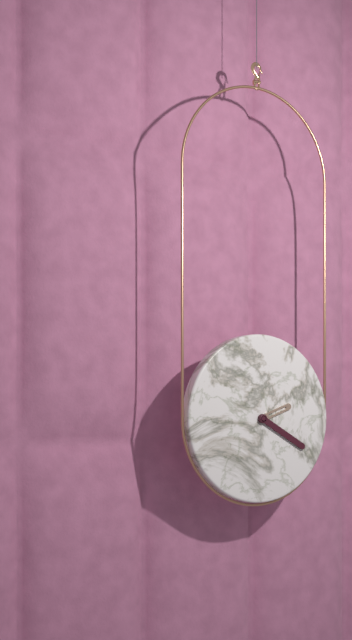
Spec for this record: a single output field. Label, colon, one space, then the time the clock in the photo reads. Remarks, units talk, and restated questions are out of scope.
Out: 2:20
